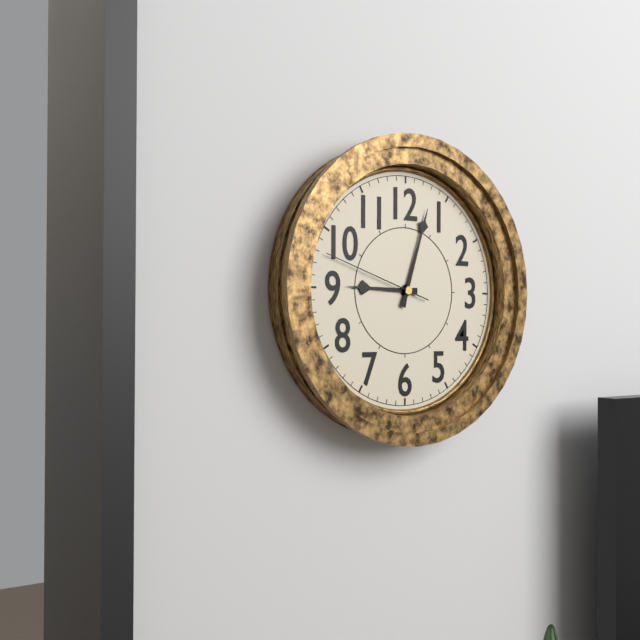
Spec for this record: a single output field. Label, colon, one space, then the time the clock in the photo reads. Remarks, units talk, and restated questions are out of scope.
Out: 9:03:48
